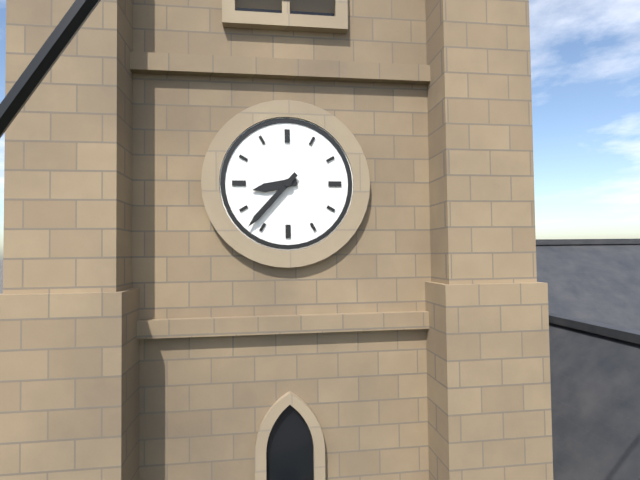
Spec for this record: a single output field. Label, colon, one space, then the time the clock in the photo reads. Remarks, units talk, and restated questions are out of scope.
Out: 8:37
